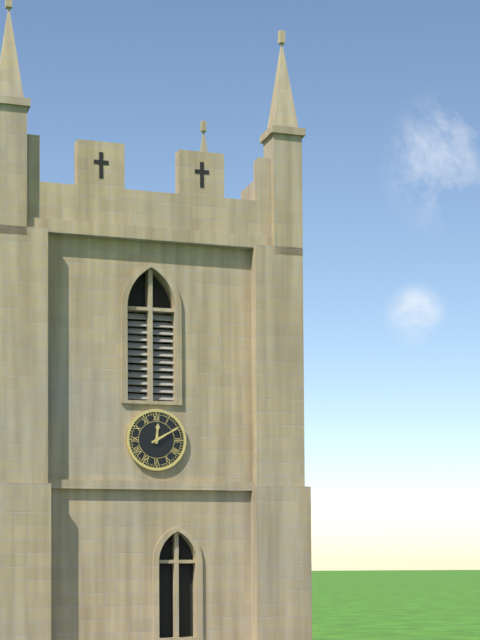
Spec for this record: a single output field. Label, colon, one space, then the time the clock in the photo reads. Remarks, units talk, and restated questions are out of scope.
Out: 12:10
